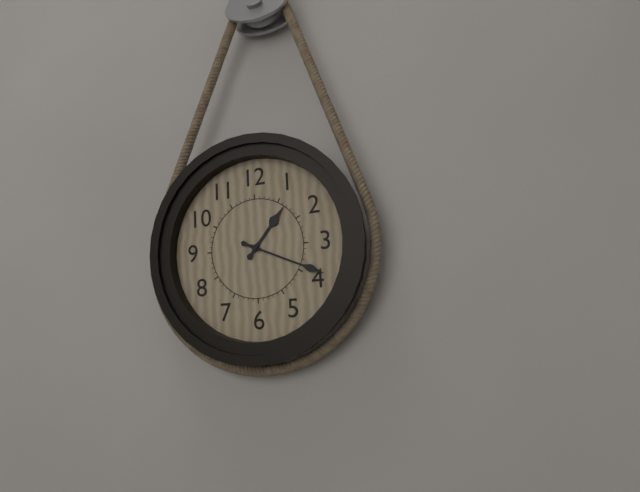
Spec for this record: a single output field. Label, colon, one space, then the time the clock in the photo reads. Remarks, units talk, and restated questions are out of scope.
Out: 1:19
